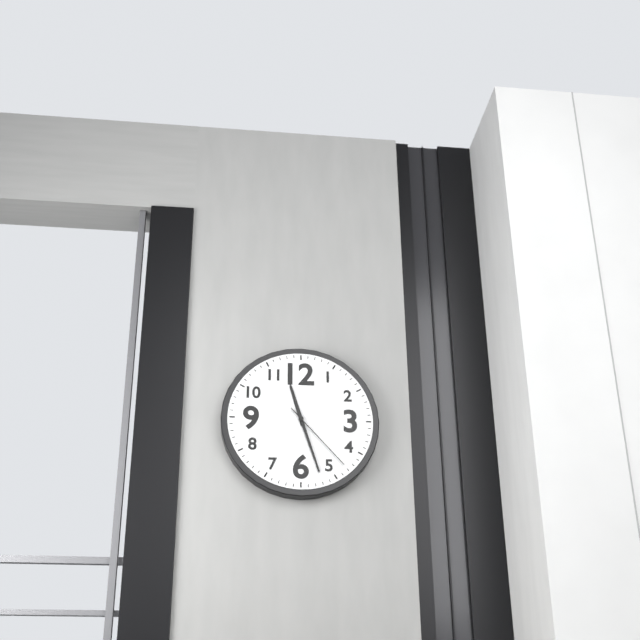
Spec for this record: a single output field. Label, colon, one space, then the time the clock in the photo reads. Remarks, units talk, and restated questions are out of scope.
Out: 11:27:23
